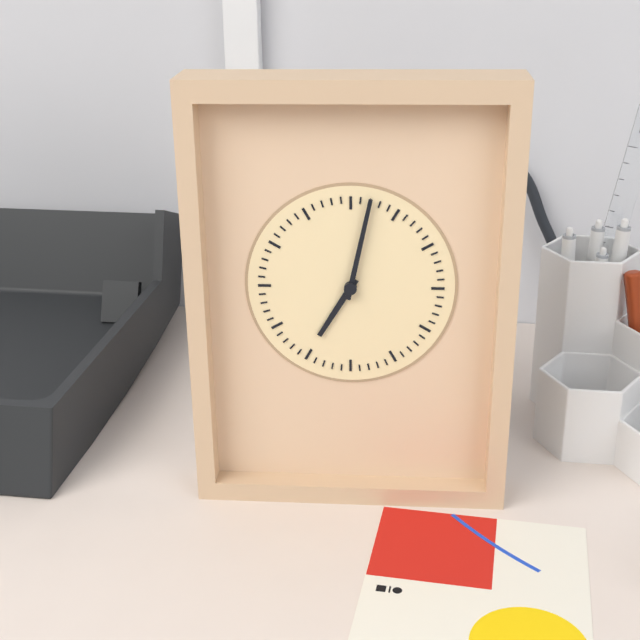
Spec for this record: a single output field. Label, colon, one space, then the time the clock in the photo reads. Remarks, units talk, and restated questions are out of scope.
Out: 7:02
